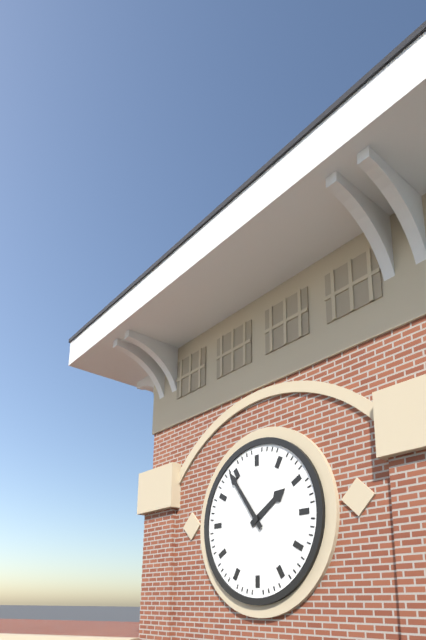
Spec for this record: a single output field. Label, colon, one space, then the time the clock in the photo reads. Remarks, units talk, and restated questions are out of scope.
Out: 1:54
